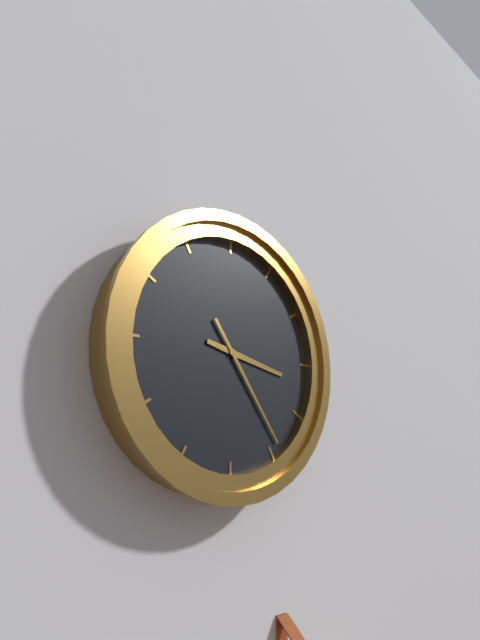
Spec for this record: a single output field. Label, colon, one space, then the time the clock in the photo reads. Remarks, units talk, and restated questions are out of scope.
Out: 3:24
